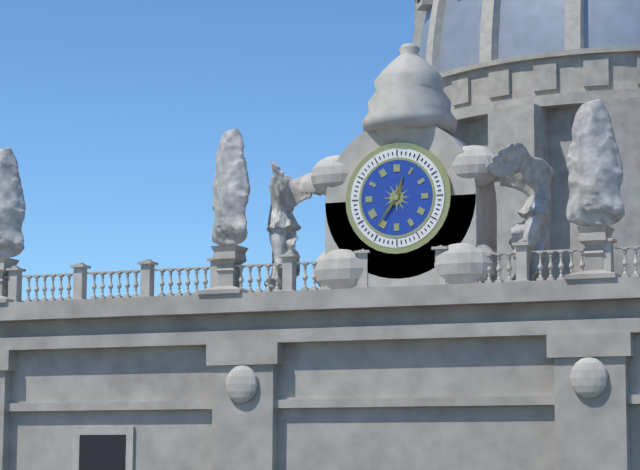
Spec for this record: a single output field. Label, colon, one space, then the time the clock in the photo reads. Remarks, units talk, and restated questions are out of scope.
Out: 12:36
